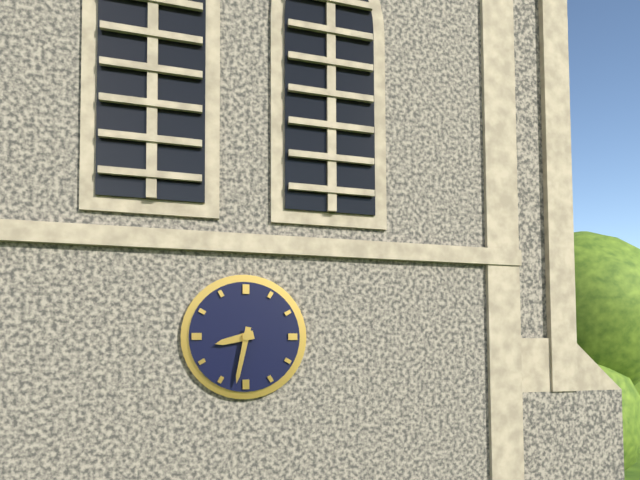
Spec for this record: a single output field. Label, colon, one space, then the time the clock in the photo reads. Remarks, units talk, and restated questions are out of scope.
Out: 8:32
